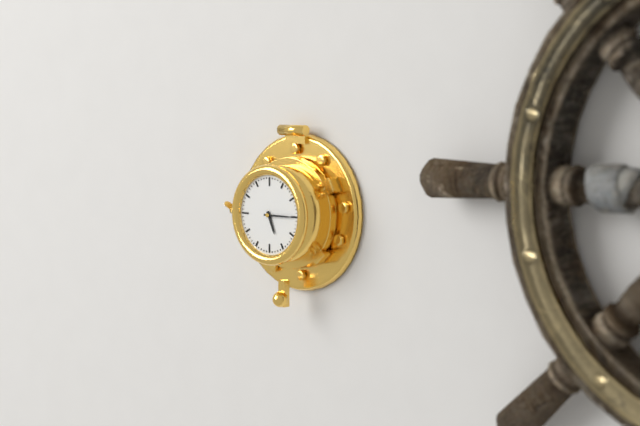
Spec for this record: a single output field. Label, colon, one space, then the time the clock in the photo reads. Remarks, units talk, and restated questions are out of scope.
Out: 5:15
